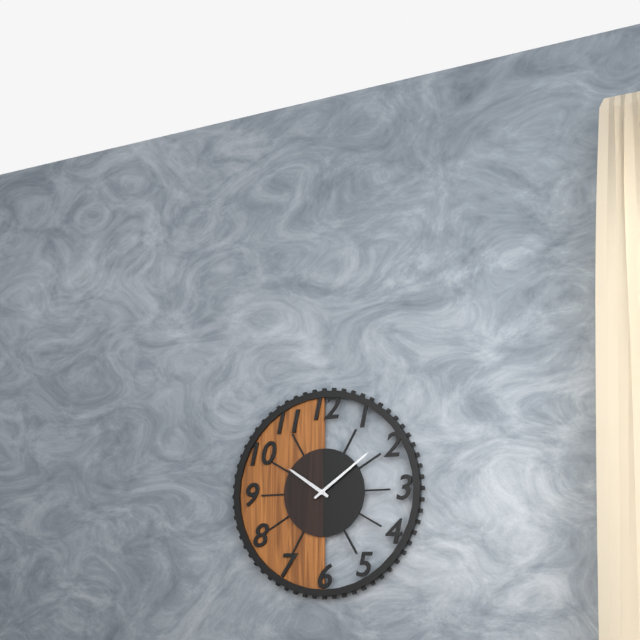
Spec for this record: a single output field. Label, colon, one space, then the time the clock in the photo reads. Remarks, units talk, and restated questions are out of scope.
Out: 10:09
